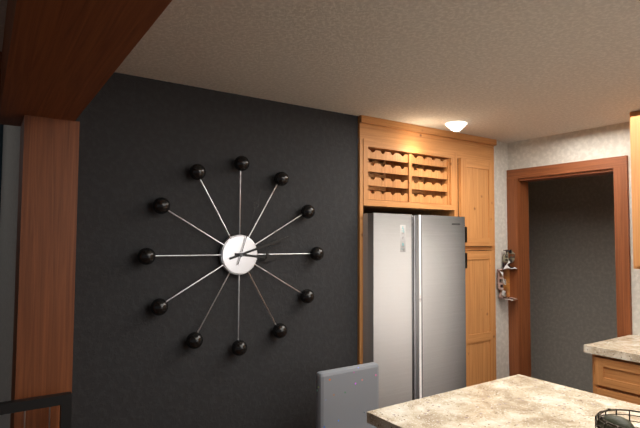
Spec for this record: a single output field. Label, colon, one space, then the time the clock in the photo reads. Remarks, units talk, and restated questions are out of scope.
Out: 3:12:03
